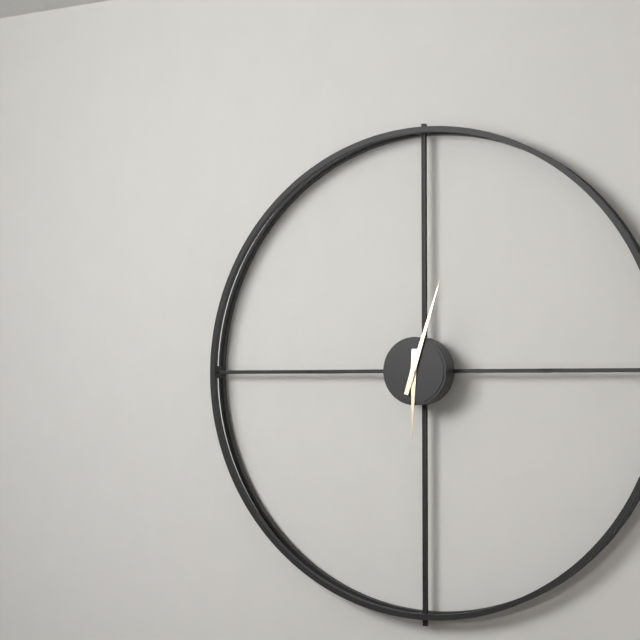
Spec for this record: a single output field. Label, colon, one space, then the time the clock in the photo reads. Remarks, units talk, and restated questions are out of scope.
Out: 6:03
